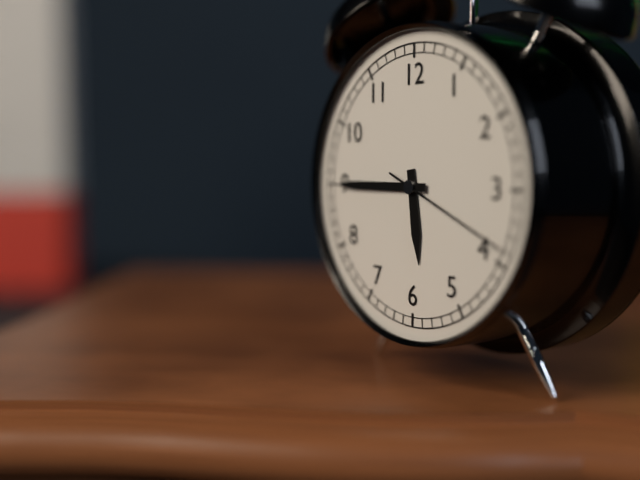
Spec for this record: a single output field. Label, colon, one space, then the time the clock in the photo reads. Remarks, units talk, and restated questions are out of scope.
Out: 5:45:19
